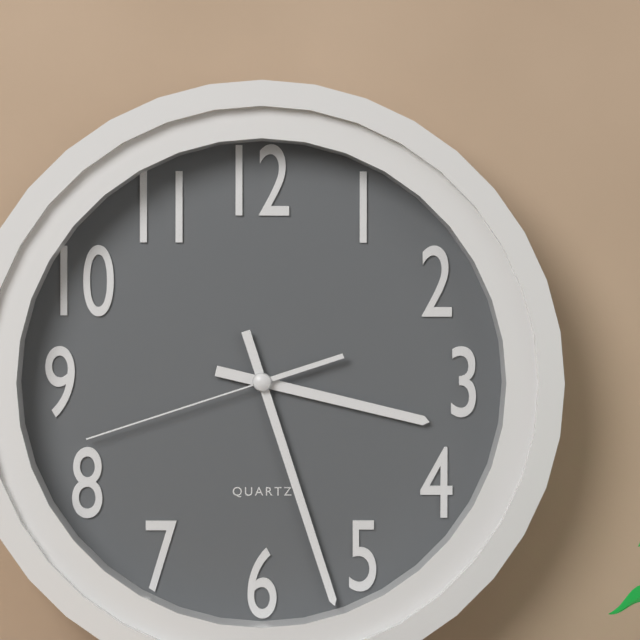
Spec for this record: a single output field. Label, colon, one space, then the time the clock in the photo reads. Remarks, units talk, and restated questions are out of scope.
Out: 3:27:42
